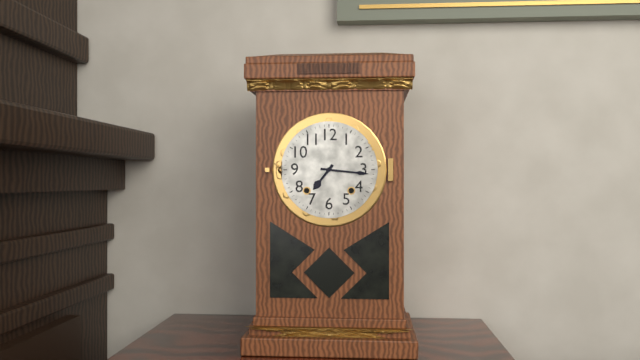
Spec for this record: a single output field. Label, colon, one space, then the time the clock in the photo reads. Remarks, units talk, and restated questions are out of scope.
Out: 7:16
